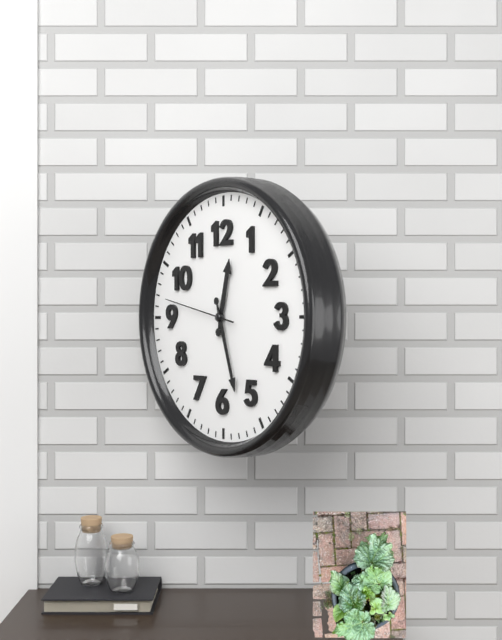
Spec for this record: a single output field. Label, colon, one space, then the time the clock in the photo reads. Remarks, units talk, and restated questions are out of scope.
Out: 12:27:47
